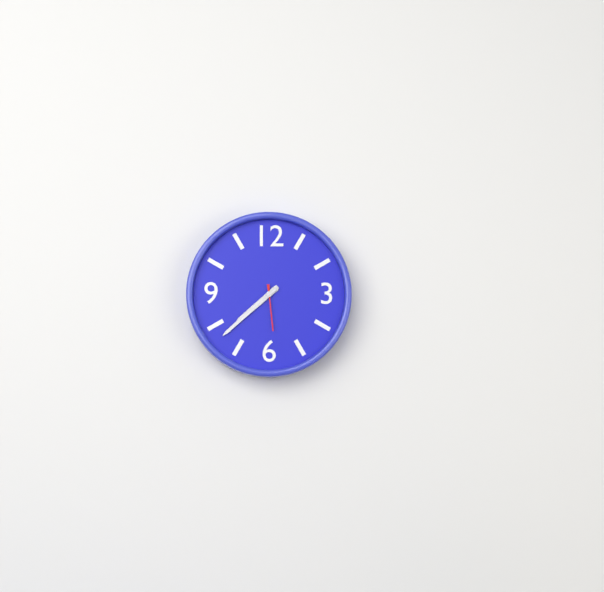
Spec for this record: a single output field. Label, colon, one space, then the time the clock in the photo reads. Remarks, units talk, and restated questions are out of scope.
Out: 7:38
